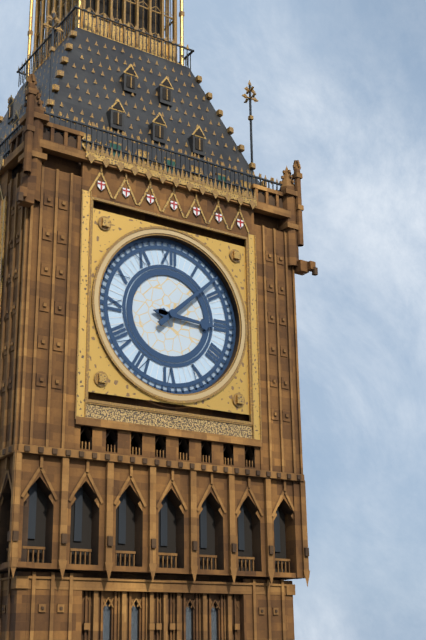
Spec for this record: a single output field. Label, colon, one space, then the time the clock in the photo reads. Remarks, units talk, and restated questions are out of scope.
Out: 3:08
